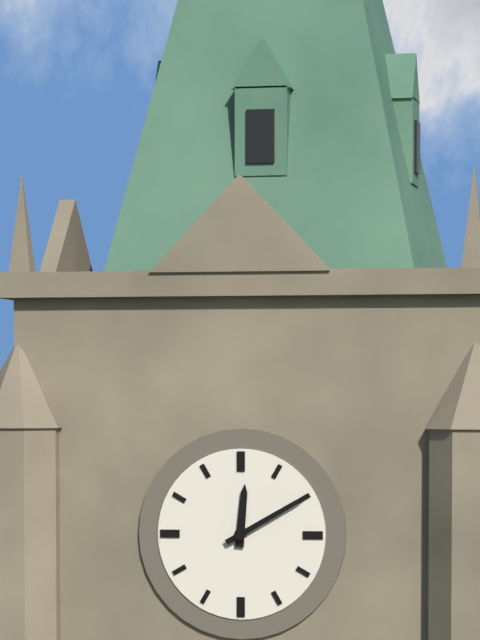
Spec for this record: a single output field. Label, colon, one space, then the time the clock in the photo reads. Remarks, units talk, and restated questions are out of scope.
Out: 12:10
